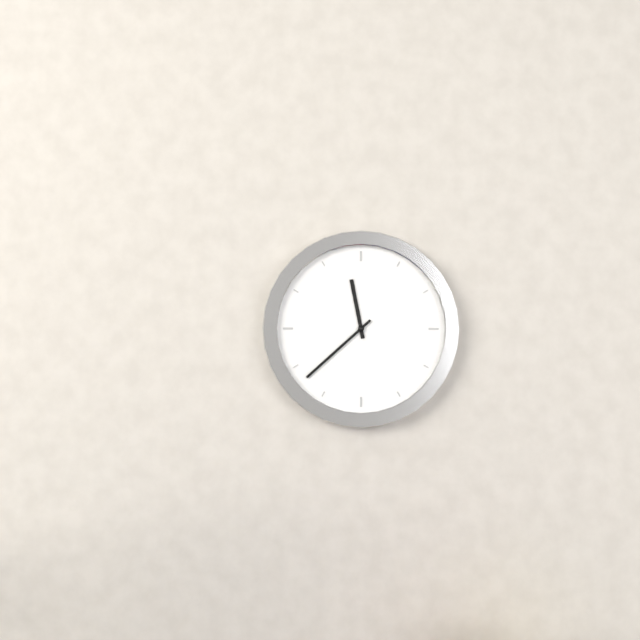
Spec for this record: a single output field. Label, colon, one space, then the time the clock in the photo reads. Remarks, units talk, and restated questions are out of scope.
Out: 11:38
